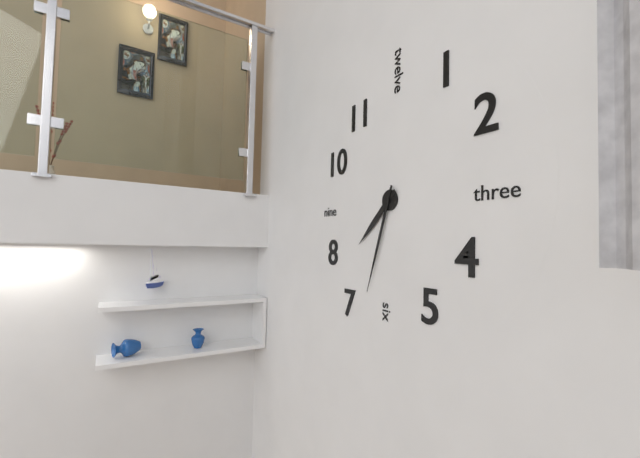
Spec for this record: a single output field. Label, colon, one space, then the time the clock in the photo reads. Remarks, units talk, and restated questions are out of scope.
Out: 7:33
